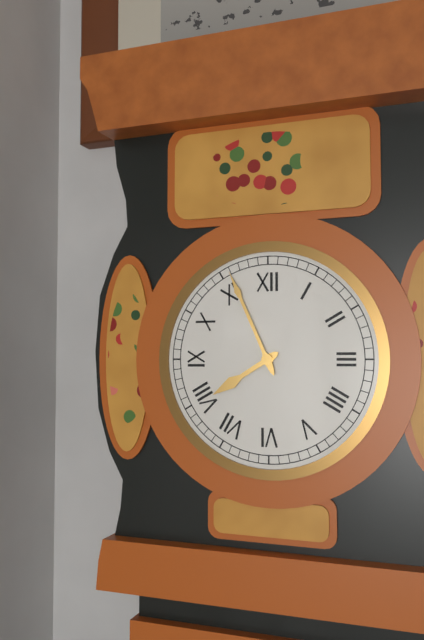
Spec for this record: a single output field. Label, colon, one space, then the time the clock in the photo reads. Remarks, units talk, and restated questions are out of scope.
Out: 7:56
